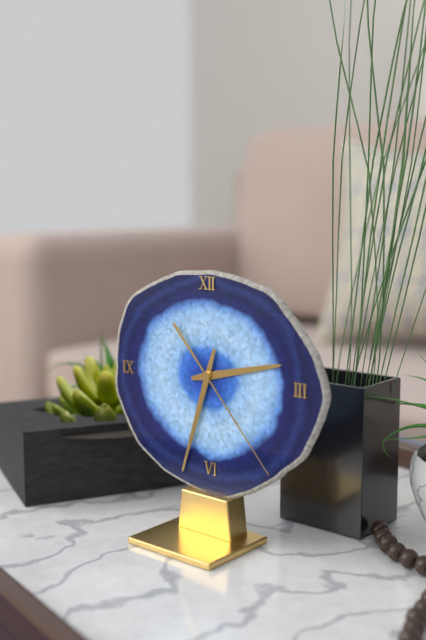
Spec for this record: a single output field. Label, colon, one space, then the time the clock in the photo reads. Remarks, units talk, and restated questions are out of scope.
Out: 2:33:23
